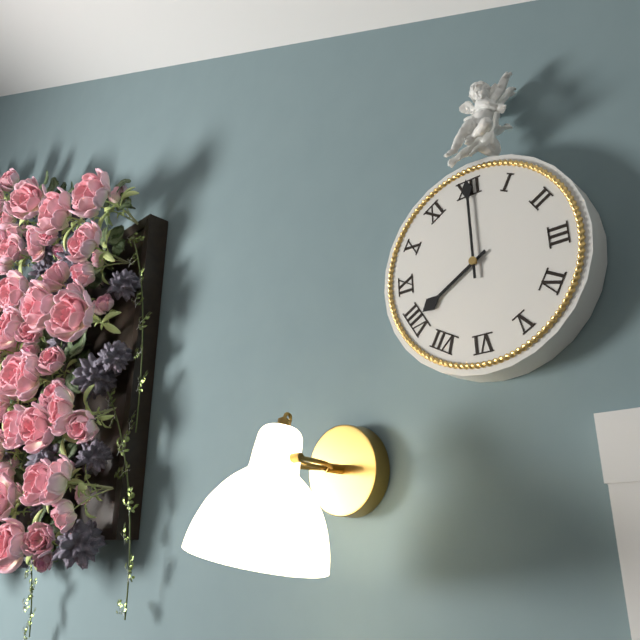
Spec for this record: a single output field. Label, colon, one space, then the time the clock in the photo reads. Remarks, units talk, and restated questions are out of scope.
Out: 8:00
